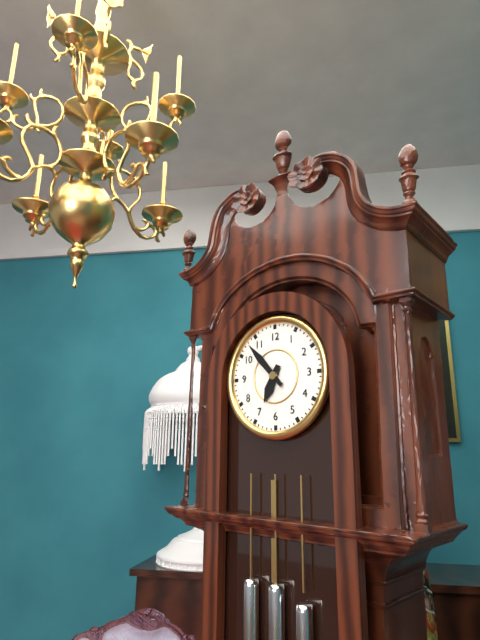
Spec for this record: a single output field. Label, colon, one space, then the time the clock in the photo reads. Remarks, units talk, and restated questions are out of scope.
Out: 6:53
